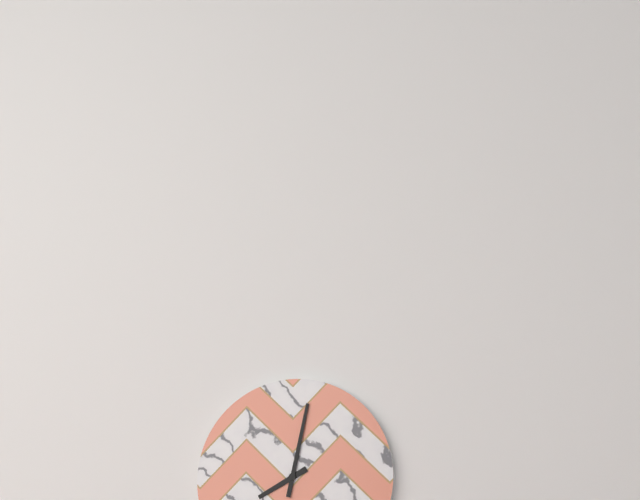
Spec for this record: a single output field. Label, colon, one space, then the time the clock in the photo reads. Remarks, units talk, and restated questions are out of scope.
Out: 8:02
